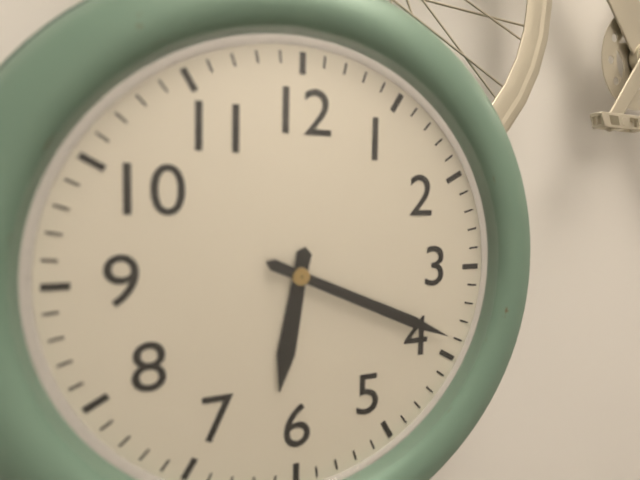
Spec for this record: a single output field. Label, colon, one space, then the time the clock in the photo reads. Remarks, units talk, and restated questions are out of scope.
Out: 6:19
